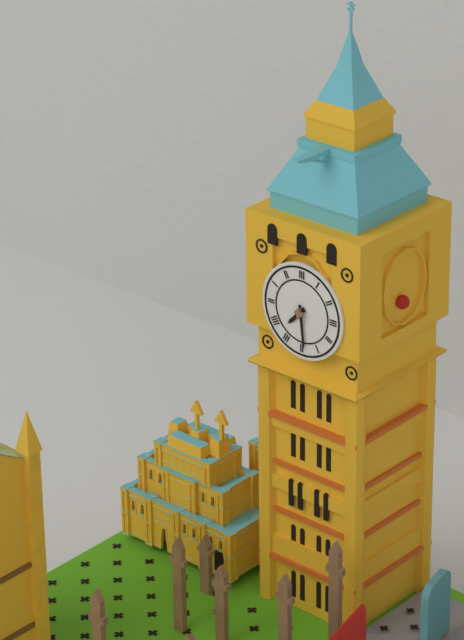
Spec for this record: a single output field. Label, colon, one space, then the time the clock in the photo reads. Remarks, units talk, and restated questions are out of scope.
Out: 7:29
